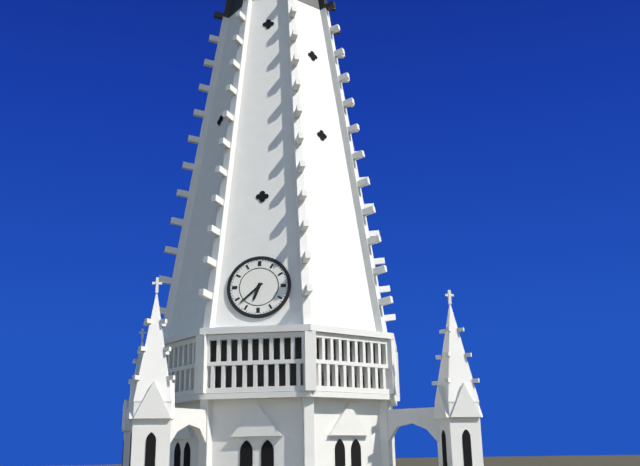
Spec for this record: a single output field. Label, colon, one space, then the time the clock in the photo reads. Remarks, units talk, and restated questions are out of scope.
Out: 6:38
